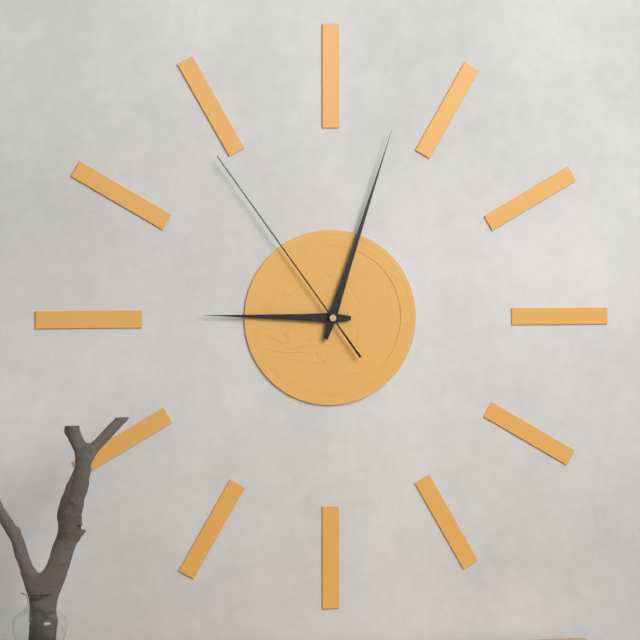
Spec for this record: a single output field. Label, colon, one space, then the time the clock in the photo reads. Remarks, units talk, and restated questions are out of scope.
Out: 9:03:54
